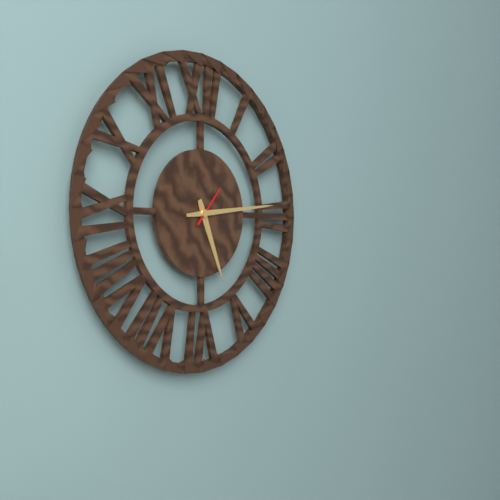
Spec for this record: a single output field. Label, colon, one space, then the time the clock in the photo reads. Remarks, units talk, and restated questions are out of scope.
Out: 5:14
